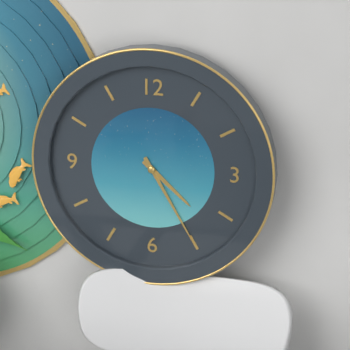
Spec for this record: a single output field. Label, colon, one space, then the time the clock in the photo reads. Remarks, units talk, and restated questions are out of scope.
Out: 4:25
